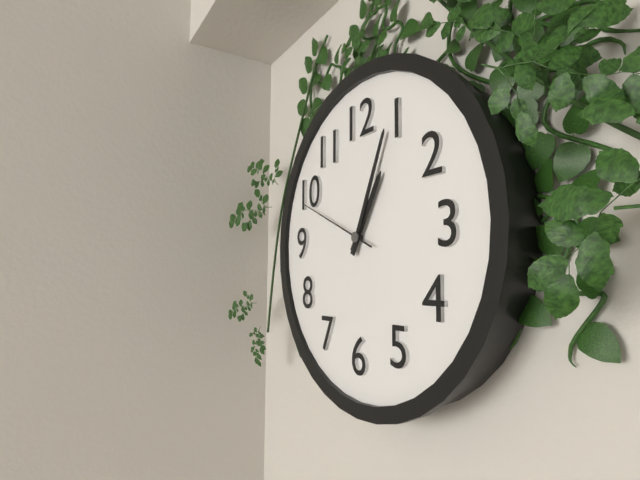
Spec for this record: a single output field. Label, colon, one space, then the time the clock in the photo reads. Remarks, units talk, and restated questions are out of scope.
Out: 1:04:49
